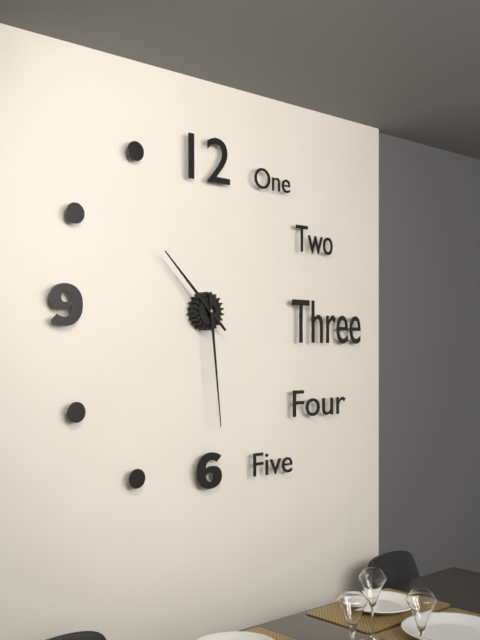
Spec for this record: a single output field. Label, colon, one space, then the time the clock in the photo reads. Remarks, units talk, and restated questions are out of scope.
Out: 10:29
